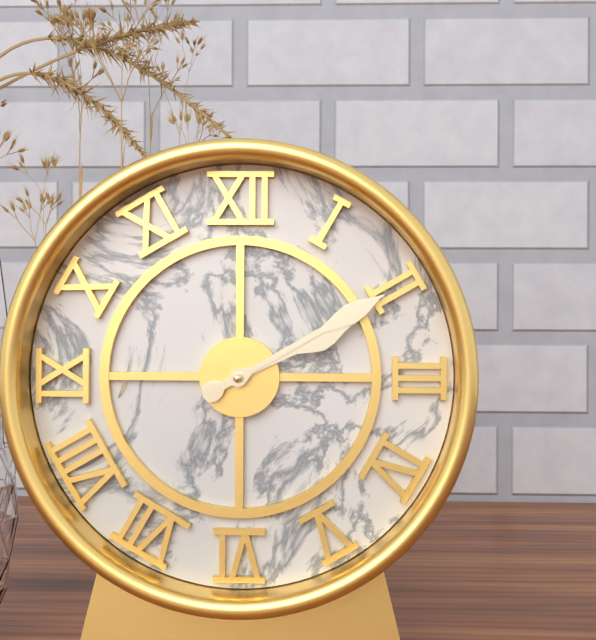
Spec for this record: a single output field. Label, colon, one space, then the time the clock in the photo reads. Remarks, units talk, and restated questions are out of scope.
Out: 2:10
